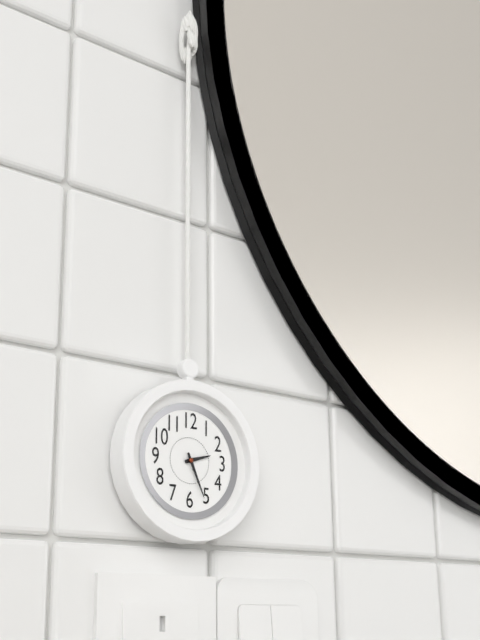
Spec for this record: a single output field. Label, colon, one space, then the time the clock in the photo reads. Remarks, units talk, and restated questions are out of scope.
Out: 2:26
